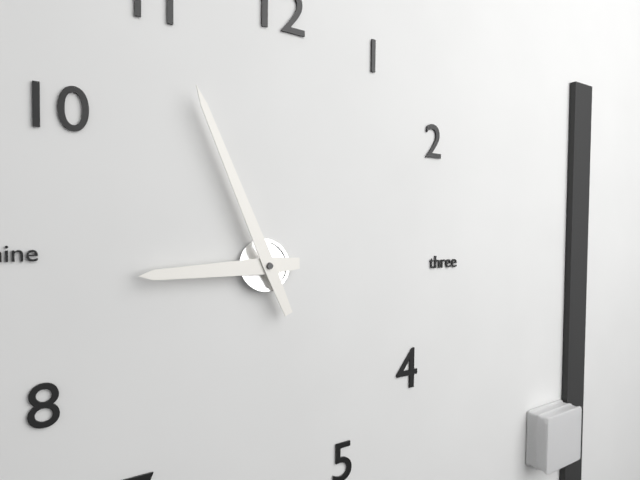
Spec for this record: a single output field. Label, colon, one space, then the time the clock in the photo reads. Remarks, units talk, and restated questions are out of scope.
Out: 8:56
